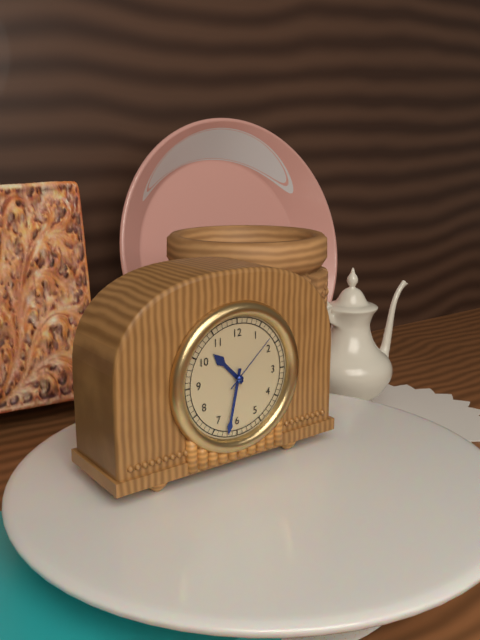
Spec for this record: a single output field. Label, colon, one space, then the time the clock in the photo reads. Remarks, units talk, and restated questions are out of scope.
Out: 10:32:08
